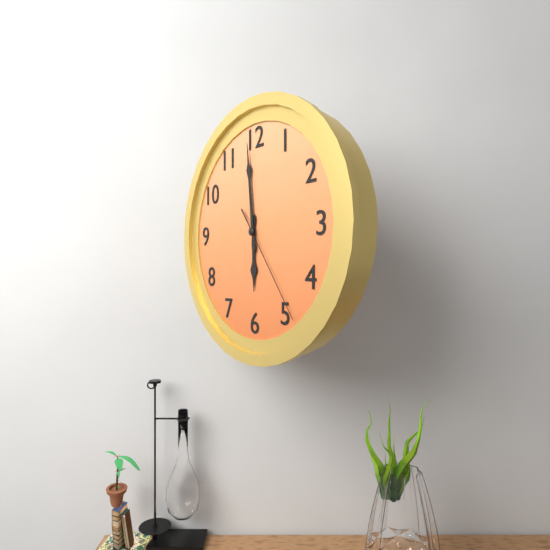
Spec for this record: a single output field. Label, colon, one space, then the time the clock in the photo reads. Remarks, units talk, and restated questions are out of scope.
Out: 5:59:24
